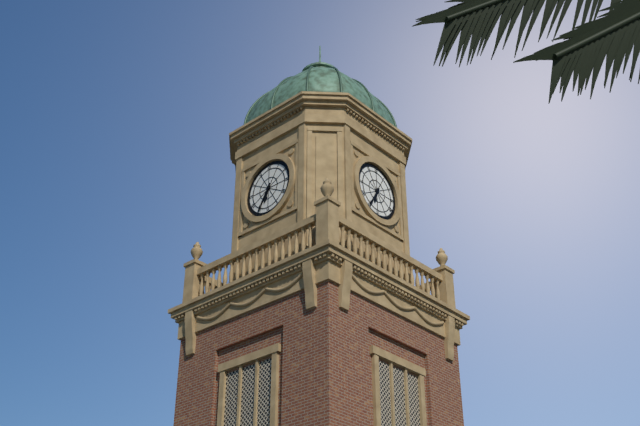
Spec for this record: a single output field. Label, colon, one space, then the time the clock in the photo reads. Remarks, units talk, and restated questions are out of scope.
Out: 6:35
